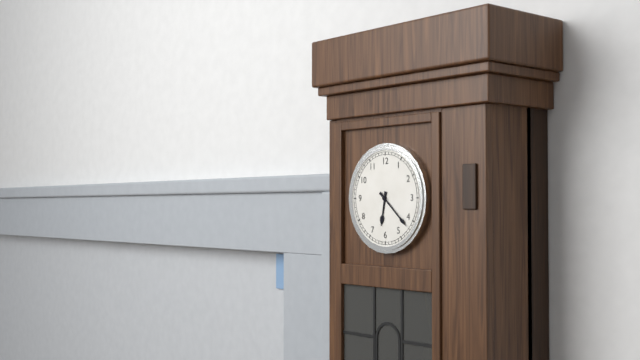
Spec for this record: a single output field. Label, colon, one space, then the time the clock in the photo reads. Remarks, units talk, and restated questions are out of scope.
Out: 6:22
